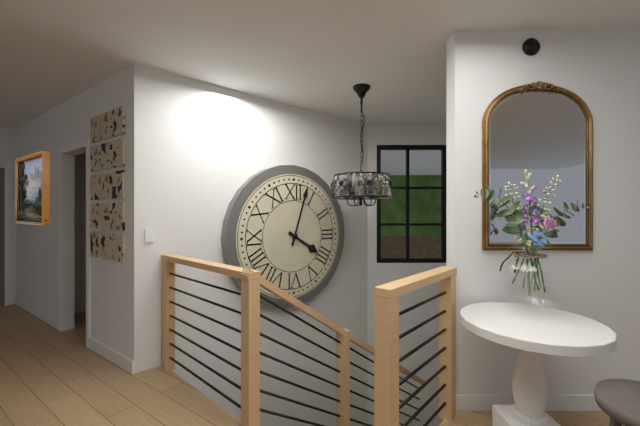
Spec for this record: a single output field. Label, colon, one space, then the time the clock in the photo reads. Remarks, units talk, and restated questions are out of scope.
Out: 4:03
